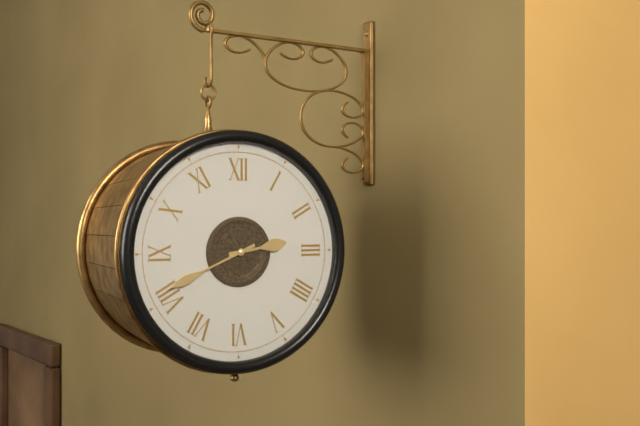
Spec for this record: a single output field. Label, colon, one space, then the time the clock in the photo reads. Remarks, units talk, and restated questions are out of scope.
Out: 2:41
